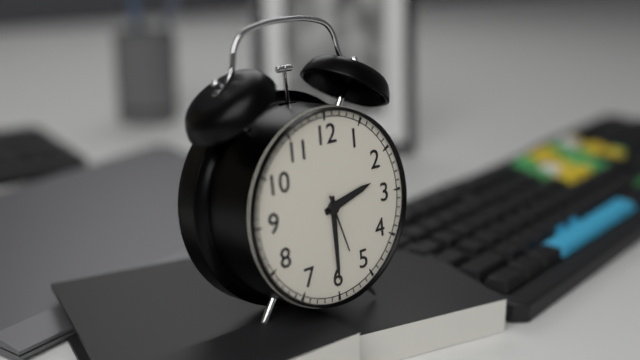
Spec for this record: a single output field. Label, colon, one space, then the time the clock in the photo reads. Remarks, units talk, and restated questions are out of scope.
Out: 2:30:27
